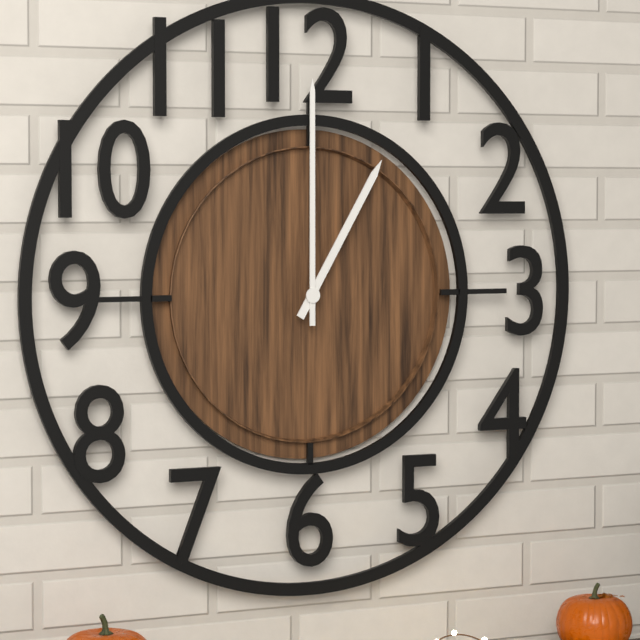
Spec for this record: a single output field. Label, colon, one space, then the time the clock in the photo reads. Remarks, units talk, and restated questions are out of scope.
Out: 1:00
